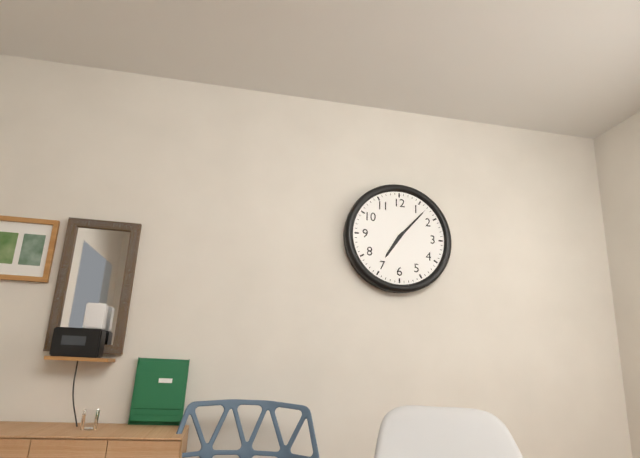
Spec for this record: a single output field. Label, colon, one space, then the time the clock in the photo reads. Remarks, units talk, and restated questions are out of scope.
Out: 7:07
